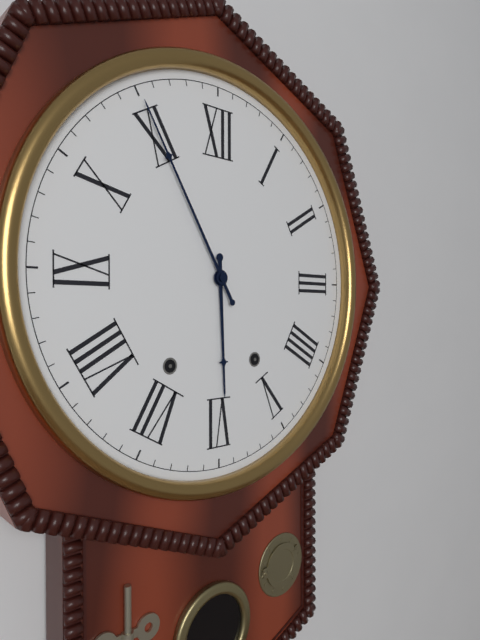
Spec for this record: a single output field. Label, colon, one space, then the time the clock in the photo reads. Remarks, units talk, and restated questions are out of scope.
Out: 5:55
